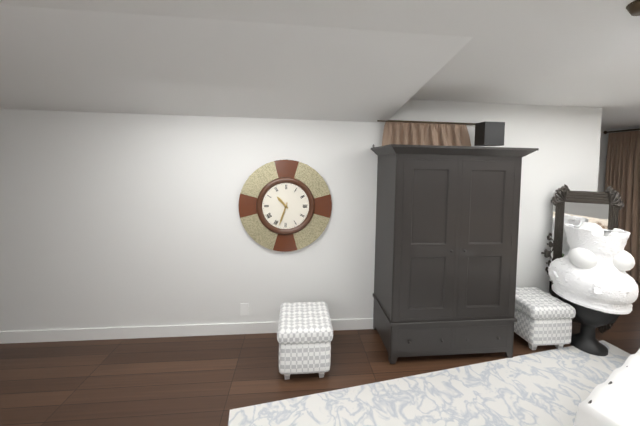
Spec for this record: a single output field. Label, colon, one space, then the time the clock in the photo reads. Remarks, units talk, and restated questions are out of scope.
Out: 10:33
